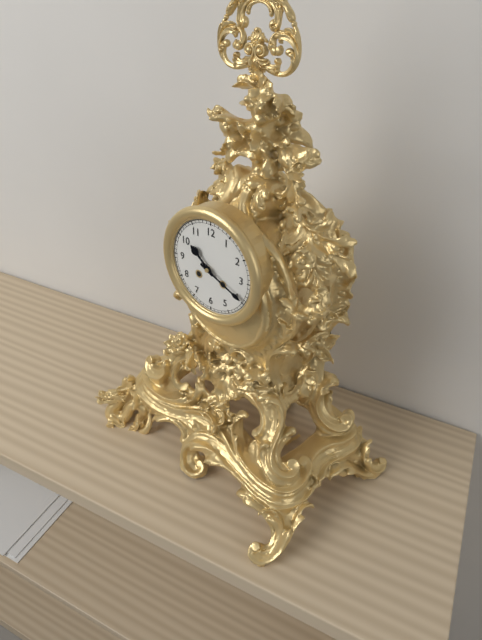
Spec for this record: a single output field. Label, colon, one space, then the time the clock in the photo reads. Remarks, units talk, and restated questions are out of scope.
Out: 10:19
